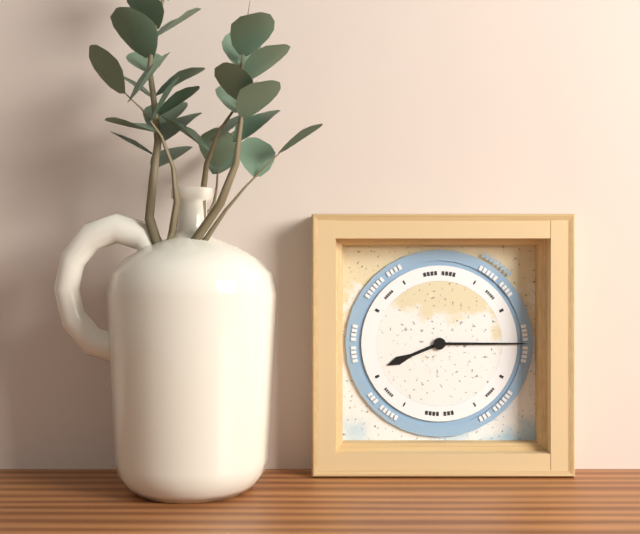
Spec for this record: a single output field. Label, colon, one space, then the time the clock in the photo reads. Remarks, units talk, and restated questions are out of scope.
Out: 8:15
